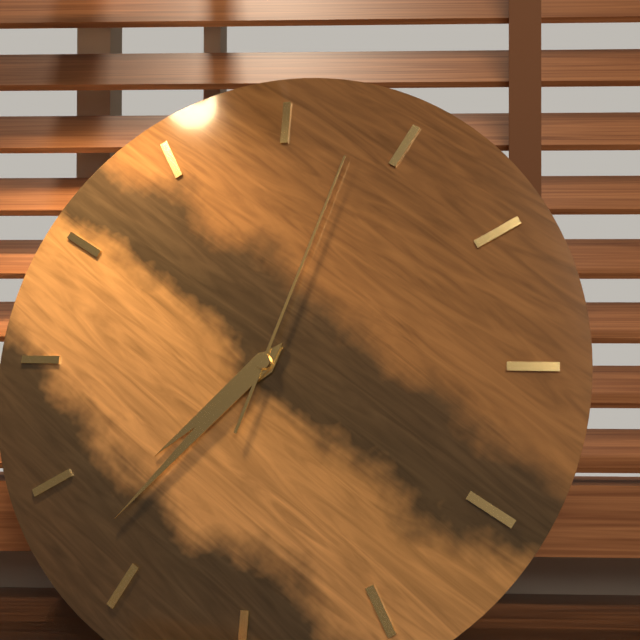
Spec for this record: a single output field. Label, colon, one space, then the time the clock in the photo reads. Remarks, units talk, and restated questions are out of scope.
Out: 7:37:03
